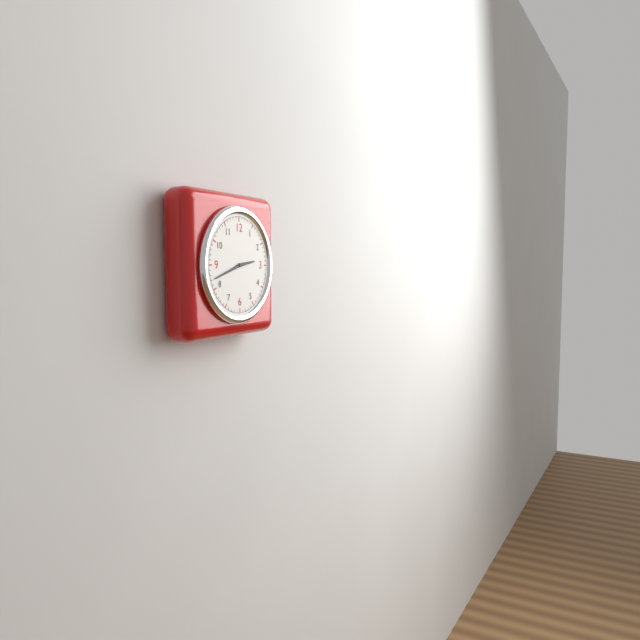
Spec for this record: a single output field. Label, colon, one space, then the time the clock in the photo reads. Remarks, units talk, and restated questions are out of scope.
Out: 2:42
